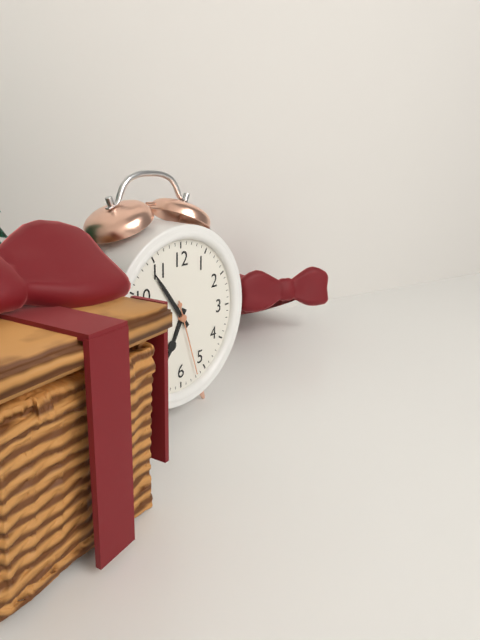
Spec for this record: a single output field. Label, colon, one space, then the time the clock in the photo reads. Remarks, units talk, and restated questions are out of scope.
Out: 6:54:27
